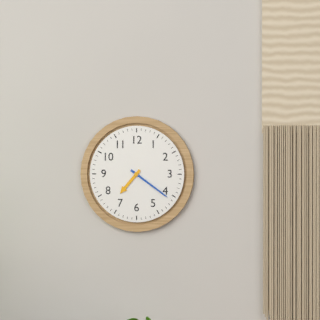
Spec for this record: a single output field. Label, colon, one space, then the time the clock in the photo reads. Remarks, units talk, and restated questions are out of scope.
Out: 7:21
